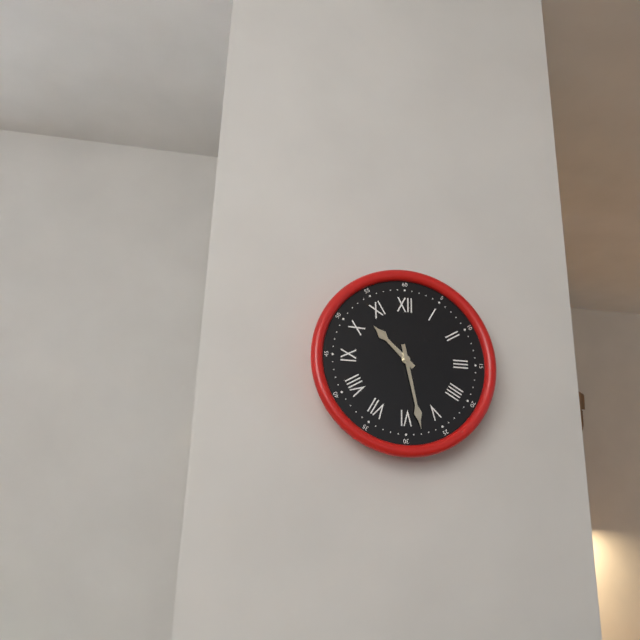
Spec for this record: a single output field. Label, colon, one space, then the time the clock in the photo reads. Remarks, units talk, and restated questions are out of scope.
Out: 10:28
